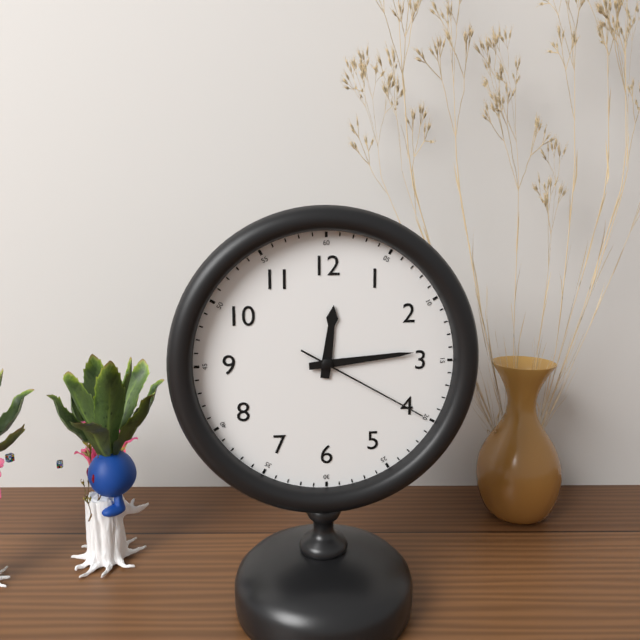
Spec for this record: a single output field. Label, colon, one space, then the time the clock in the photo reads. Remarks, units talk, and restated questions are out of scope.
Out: 12:14:20
